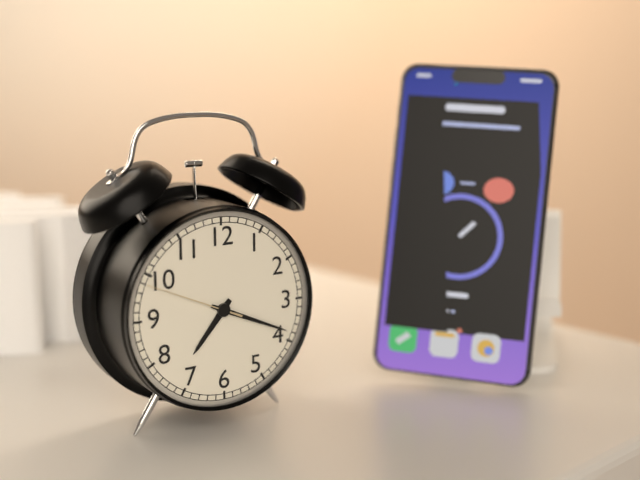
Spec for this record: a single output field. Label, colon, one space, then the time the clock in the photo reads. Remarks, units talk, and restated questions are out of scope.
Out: 7:19:49
